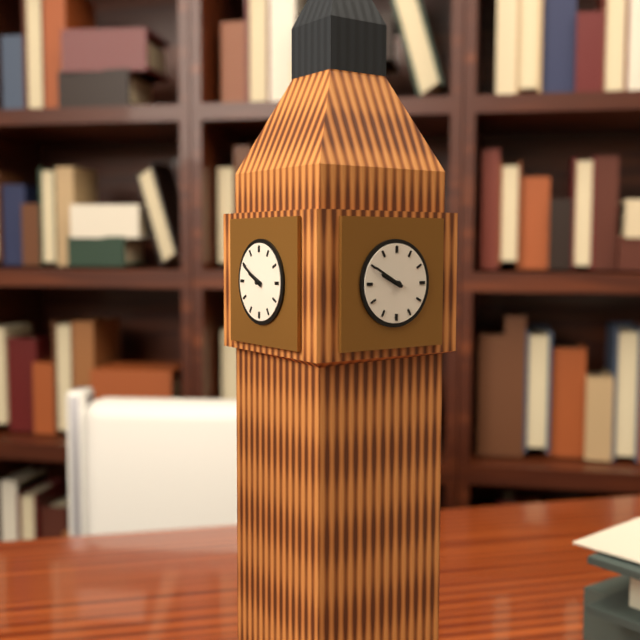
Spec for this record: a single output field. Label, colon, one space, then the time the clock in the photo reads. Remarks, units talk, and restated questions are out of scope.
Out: 9:50
